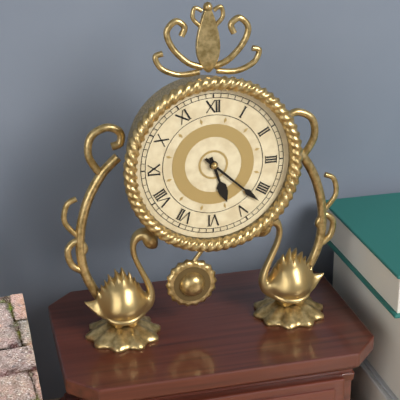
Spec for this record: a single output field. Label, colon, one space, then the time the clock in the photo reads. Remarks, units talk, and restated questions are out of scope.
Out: 5:22
